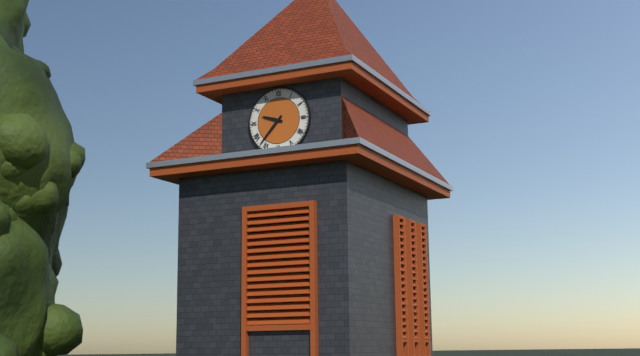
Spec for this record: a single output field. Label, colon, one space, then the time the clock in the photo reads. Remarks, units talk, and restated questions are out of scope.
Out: 9:37
